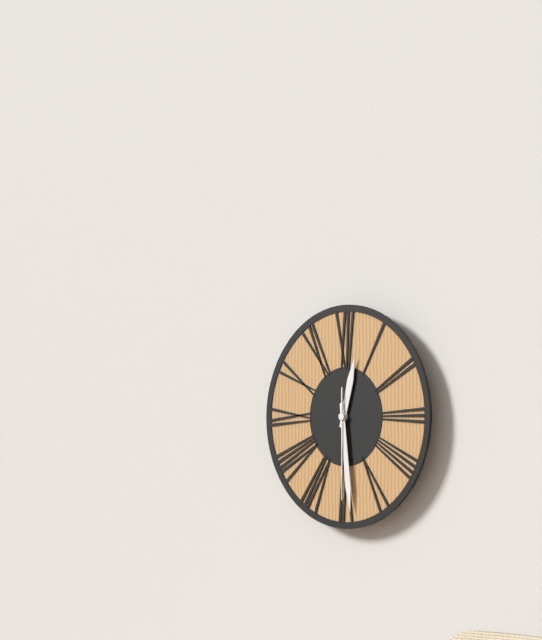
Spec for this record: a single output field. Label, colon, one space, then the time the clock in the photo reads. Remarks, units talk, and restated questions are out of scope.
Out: 12:29:30
